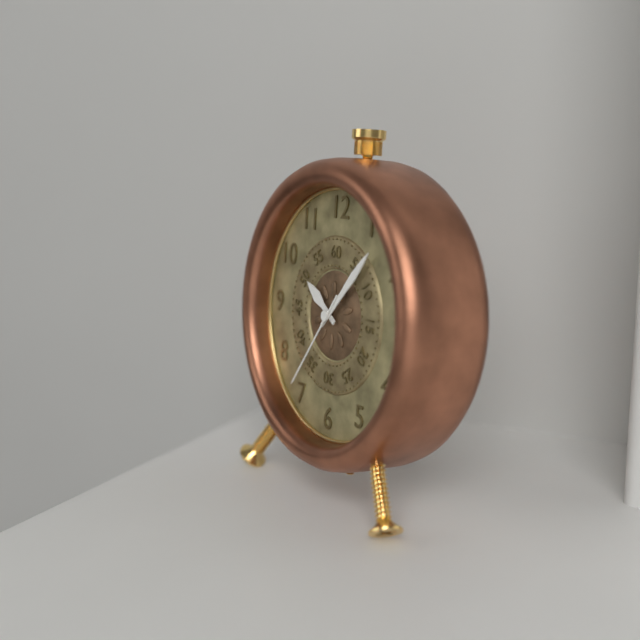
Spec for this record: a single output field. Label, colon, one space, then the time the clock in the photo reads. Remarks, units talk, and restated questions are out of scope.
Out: 10:07:36
